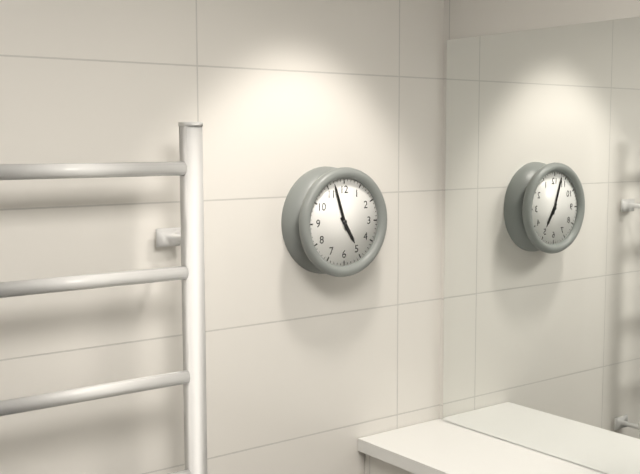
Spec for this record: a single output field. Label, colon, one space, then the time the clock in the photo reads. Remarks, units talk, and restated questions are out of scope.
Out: 4:57
